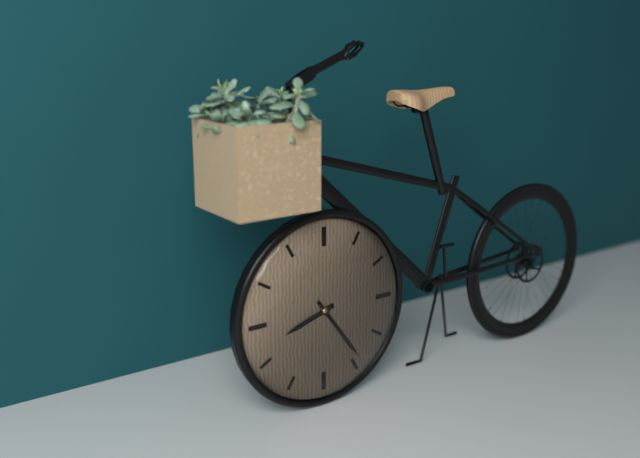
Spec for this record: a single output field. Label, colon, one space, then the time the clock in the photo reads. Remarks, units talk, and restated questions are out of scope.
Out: 8:24
